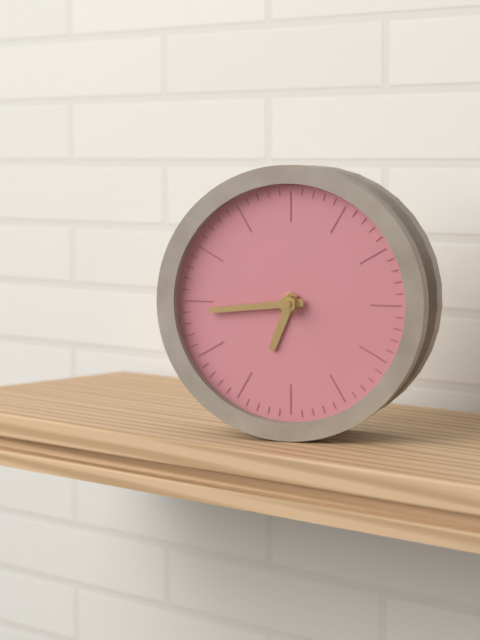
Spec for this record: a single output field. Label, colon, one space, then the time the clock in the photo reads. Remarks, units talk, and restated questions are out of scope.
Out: 6:44
